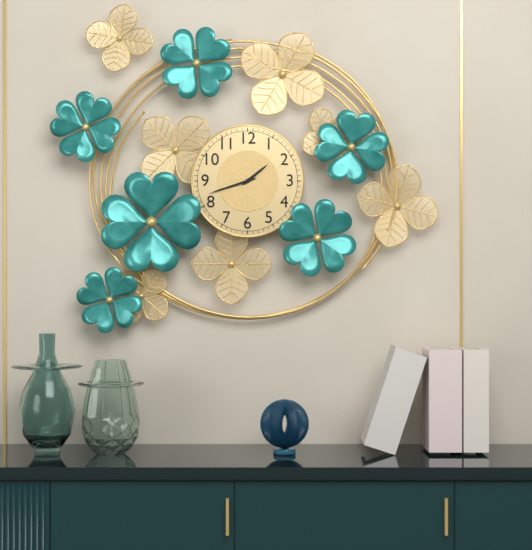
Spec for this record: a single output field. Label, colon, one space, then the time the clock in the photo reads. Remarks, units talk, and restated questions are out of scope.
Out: 1:42
